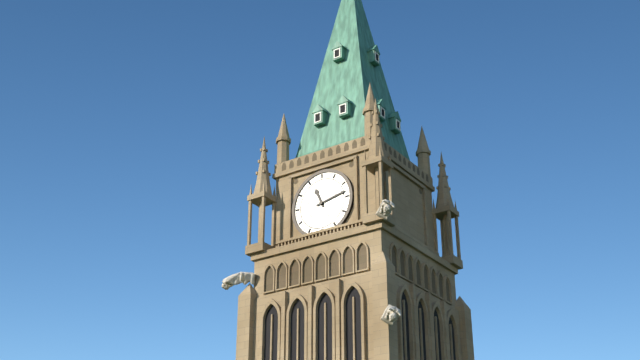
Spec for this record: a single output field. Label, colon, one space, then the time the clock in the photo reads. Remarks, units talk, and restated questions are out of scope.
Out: 11:13
